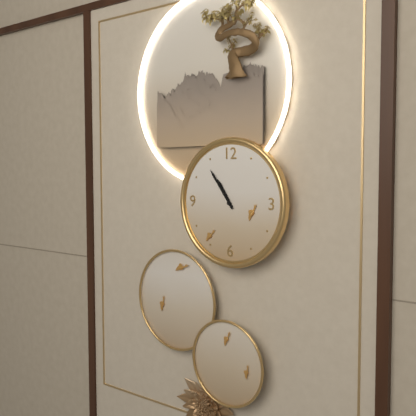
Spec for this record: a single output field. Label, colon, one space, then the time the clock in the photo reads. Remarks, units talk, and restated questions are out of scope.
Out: 10:54
